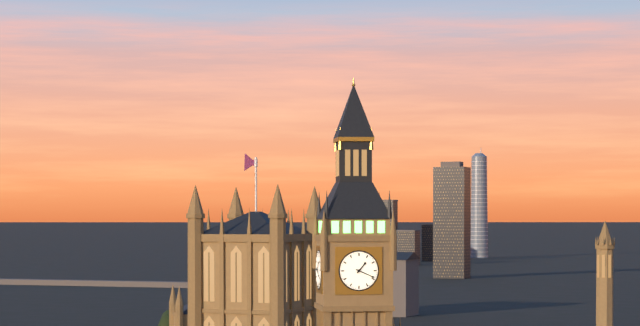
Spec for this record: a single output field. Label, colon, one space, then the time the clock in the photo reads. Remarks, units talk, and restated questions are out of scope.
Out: 1:19
